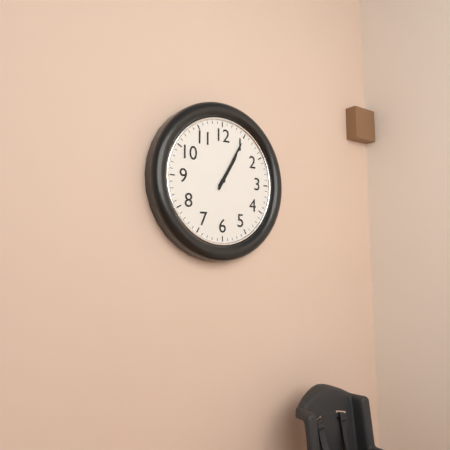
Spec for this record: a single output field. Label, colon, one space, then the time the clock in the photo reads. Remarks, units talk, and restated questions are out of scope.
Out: 1:05
